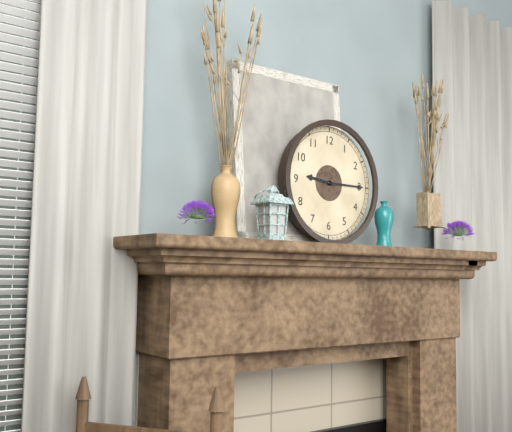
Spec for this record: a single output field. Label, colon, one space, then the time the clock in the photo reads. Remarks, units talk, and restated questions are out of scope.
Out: 9:15
